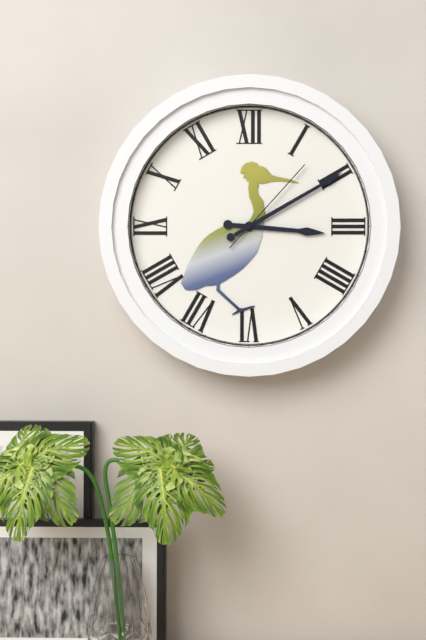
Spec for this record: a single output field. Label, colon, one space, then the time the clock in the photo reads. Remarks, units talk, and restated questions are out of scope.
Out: 3:10:07
